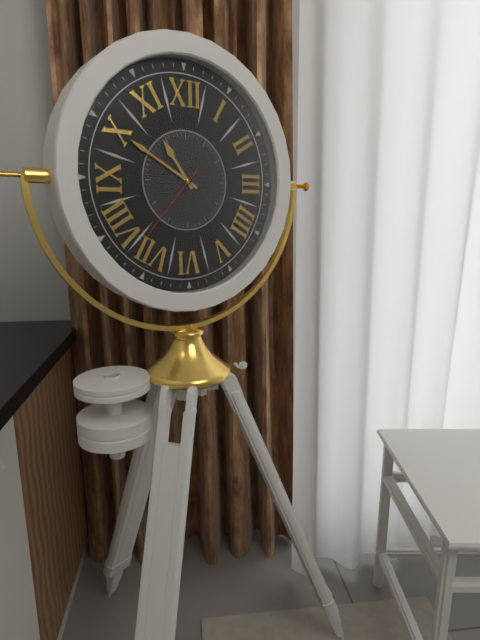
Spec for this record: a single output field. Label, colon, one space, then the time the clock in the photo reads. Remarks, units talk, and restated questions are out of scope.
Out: 10:50:37
